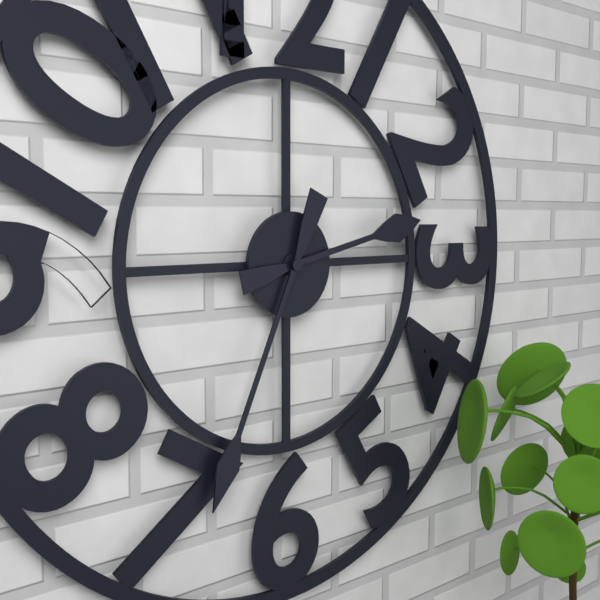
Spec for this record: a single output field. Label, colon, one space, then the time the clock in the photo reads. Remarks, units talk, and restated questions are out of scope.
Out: 2:34
